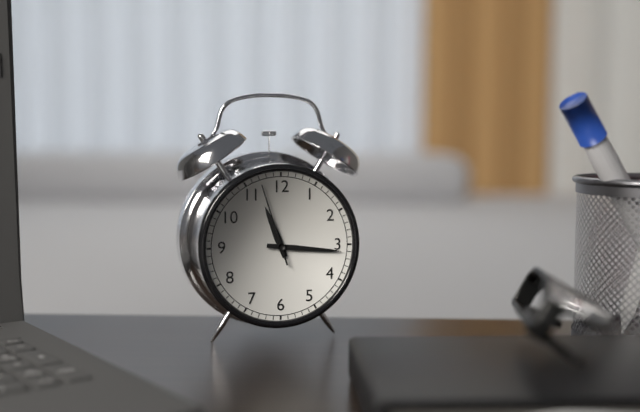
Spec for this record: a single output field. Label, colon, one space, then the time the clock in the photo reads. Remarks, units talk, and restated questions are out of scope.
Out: 11:16:57
